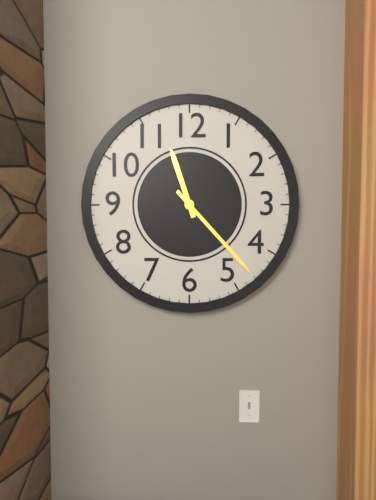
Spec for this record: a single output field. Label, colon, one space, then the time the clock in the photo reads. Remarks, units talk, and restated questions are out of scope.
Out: 11:23
